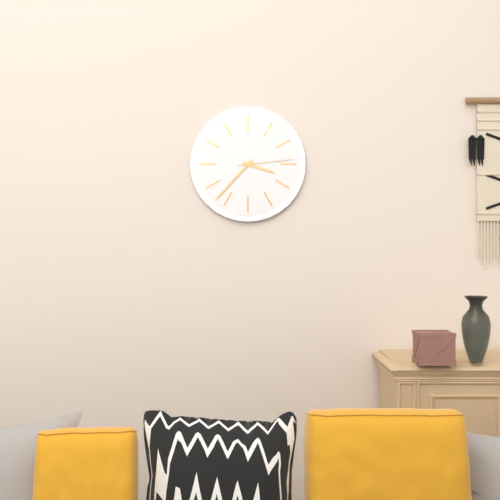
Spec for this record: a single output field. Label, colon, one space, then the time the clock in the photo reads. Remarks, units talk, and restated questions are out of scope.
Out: 3:37:14
